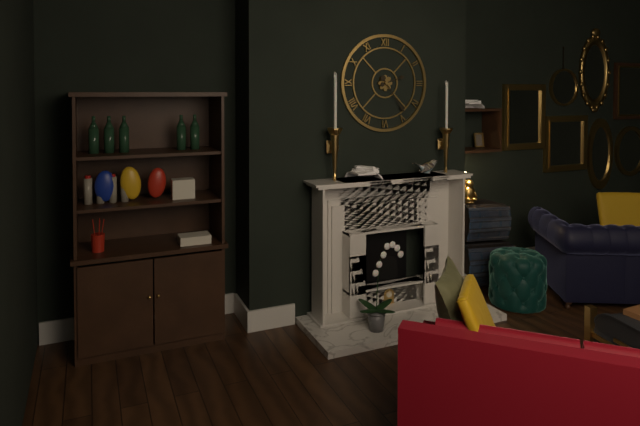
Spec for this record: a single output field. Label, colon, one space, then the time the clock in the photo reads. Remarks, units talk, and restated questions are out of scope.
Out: 2:24
